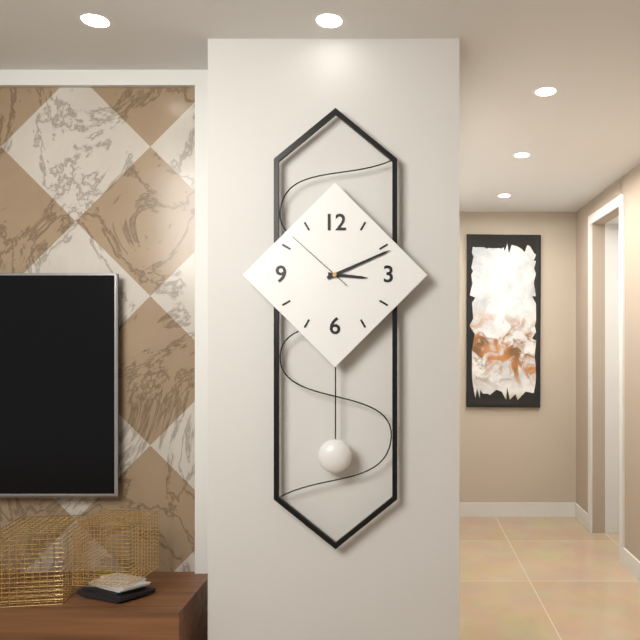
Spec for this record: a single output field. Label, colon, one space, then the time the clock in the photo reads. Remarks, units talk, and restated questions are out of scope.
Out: 3:11:52
